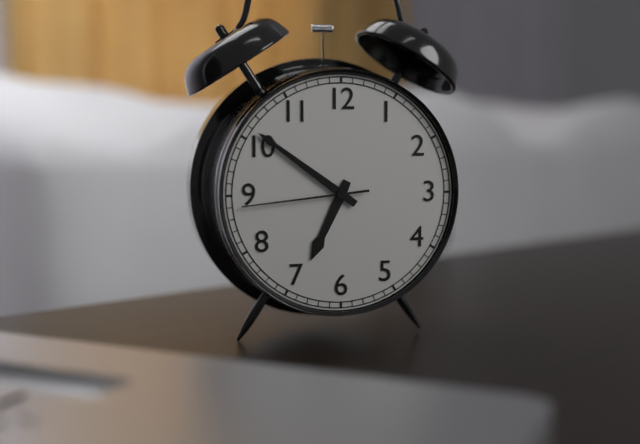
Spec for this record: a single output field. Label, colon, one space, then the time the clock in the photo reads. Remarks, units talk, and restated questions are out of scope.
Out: 6:51:44
